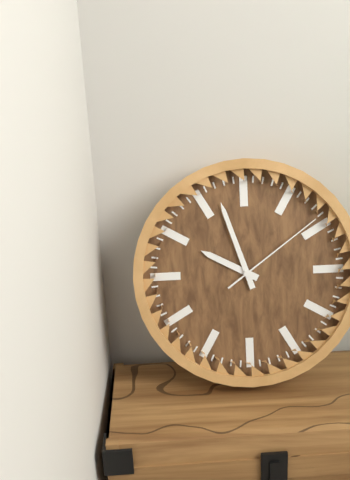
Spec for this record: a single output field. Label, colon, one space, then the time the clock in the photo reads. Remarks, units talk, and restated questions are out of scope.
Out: 9:57:09
